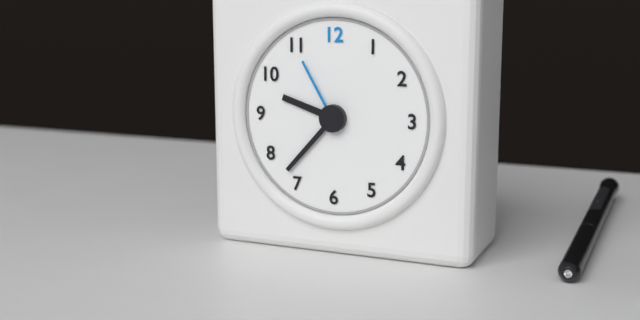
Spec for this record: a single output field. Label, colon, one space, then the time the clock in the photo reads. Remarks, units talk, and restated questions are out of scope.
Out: 9:37:55
